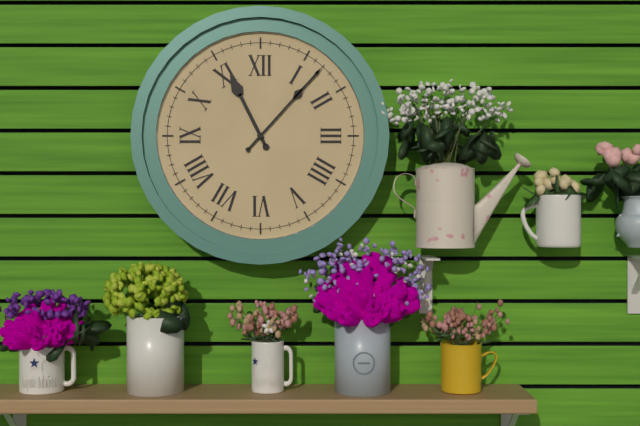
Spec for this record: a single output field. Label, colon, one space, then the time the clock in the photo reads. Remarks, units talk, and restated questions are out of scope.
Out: 11:07
